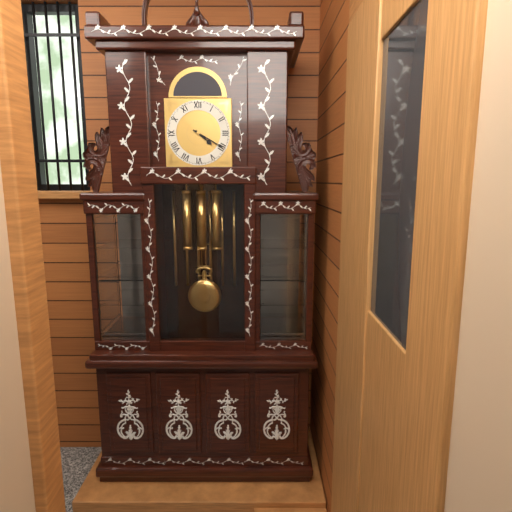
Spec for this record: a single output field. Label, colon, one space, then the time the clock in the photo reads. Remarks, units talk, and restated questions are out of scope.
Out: 4:20
